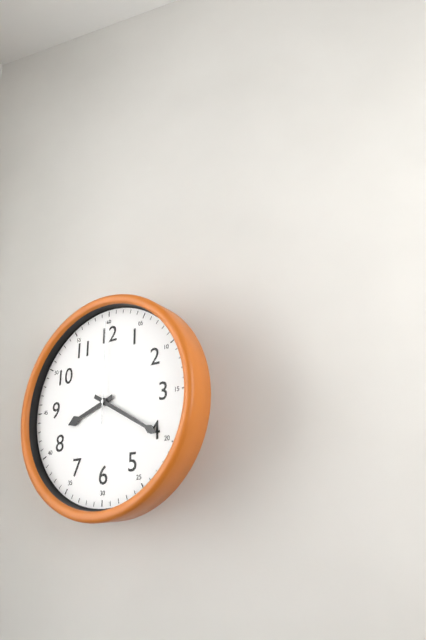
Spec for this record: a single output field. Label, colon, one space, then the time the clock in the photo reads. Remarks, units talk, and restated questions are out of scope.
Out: 8:20:00
